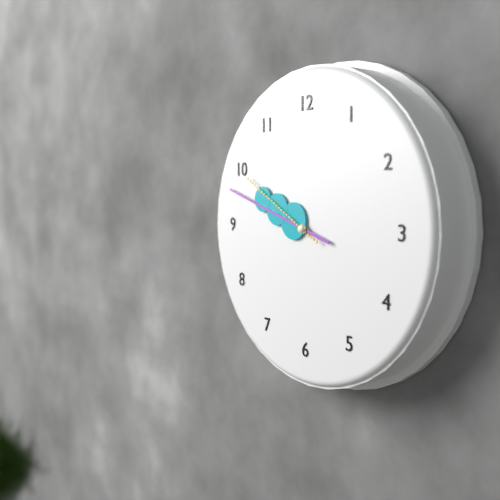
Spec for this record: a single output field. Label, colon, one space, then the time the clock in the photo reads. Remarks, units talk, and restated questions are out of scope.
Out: 9:48:50
